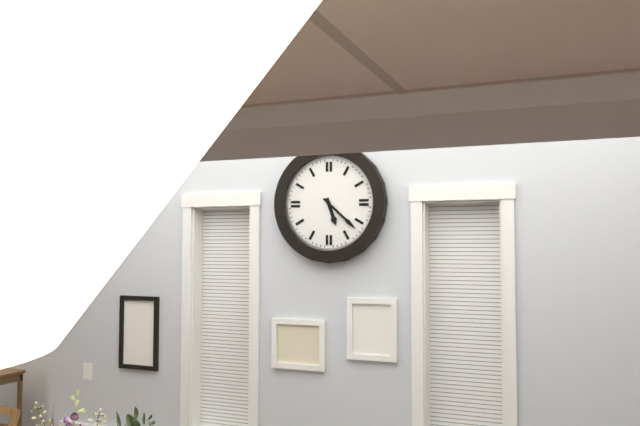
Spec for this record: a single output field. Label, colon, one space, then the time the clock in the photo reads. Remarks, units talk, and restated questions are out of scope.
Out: 5:22
